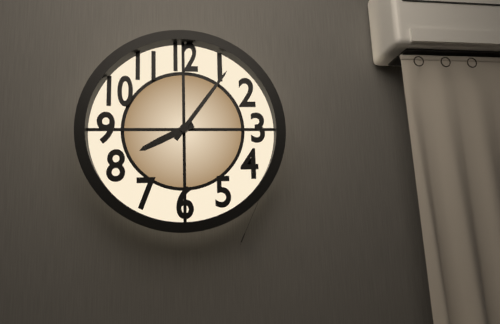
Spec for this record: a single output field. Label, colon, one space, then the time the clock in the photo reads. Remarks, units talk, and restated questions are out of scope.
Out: 8:06
